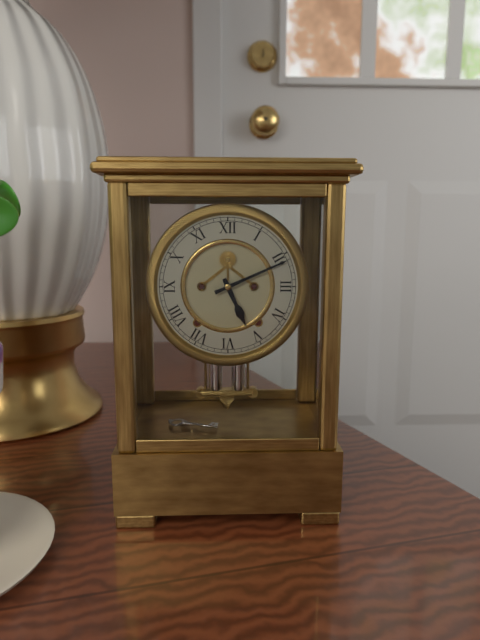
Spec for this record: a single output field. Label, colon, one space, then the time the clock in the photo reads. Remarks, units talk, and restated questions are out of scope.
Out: 5:11
